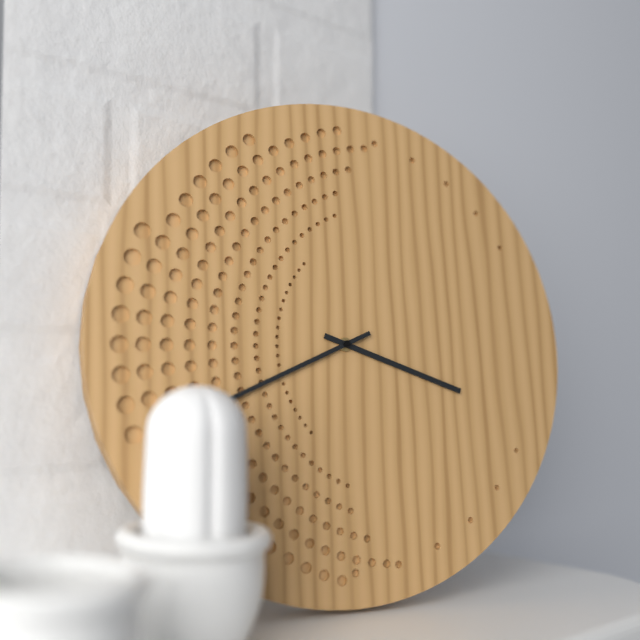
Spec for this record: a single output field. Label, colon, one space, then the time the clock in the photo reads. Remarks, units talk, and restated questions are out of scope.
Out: 3:41
